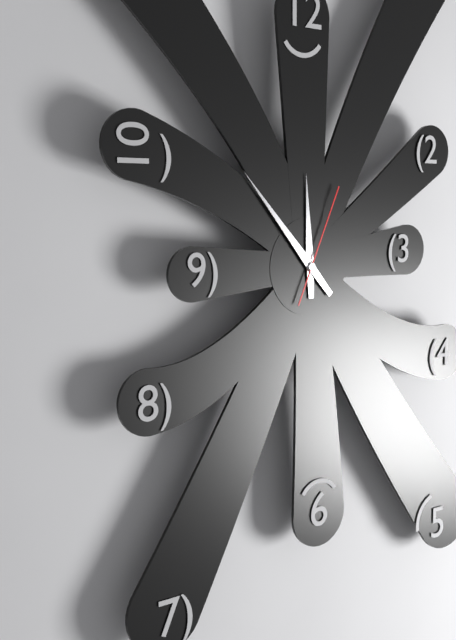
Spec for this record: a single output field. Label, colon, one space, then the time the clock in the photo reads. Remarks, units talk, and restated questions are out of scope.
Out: 11:53:04
